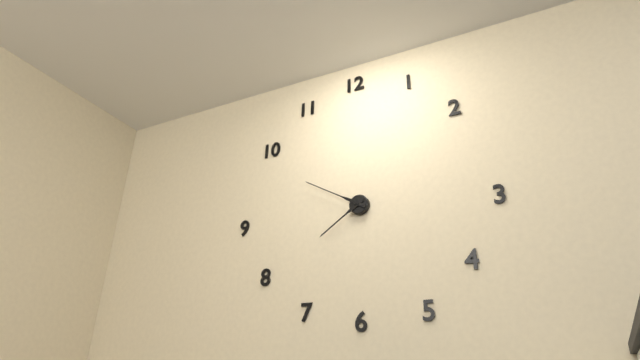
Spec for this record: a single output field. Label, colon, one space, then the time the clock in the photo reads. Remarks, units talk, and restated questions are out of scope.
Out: 7:50
